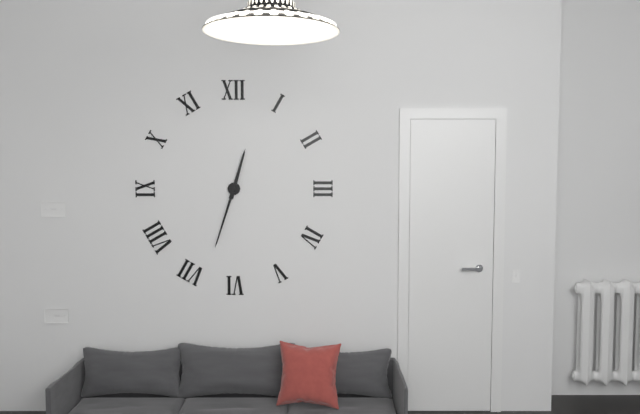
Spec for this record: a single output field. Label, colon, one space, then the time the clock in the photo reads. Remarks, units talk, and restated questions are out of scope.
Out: 12:33
